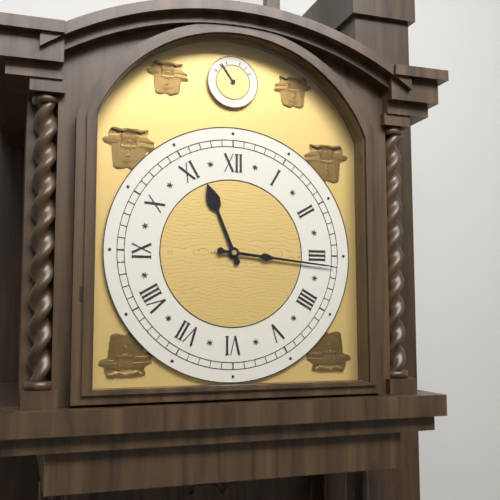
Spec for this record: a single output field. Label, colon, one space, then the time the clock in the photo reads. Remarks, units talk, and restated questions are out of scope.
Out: 11:16
